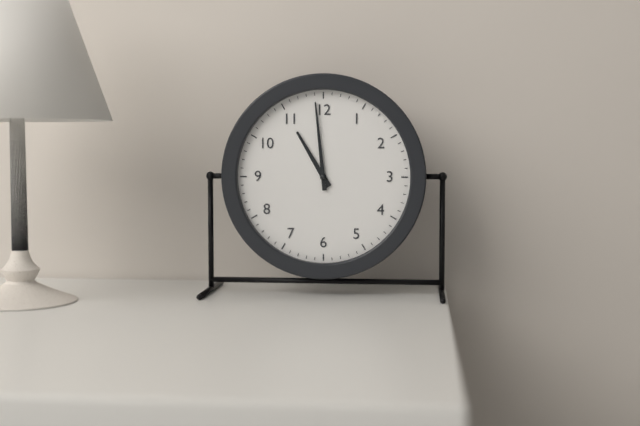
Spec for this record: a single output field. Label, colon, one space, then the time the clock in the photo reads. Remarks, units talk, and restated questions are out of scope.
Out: 10:59
